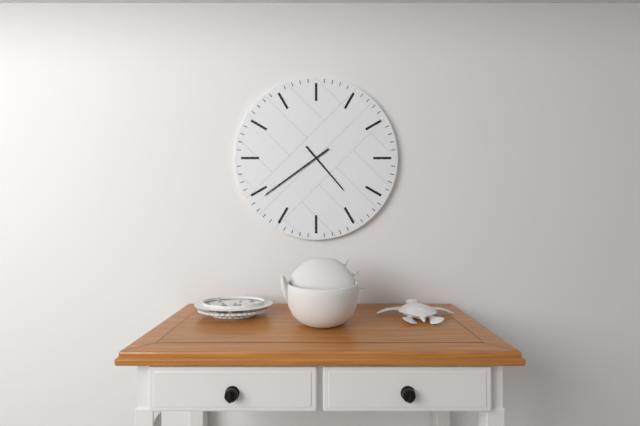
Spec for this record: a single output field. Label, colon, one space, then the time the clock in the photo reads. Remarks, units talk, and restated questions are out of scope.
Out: 4:39
